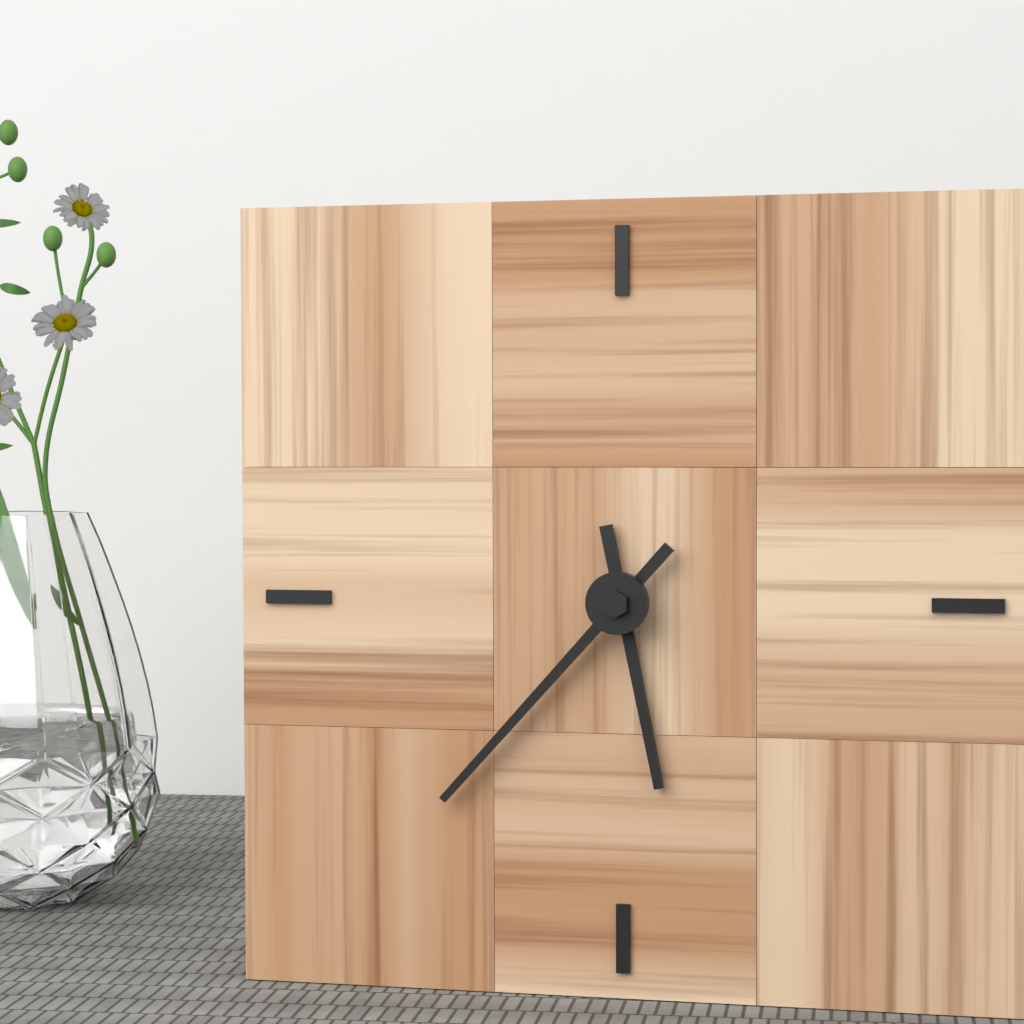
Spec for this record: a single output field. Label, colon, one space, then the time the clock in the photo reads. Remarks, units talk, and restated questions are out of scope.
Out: 5:37
